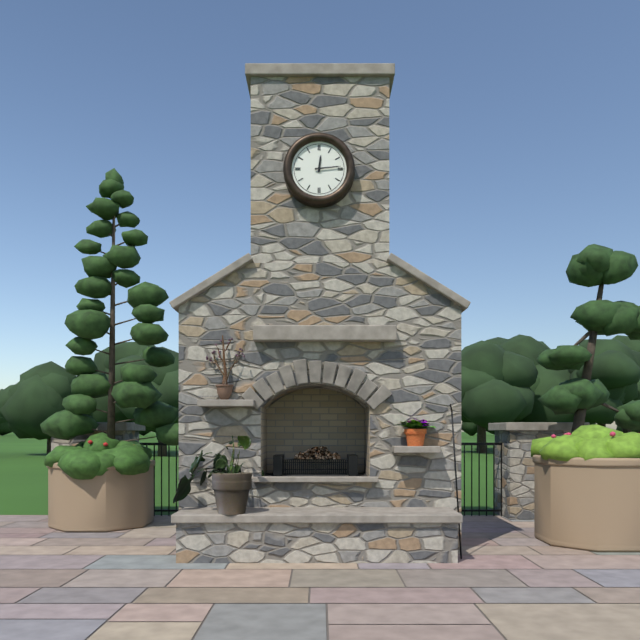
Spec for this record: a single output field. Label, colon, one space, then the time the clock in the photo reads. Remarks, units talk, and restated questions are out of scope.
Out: 12:14
